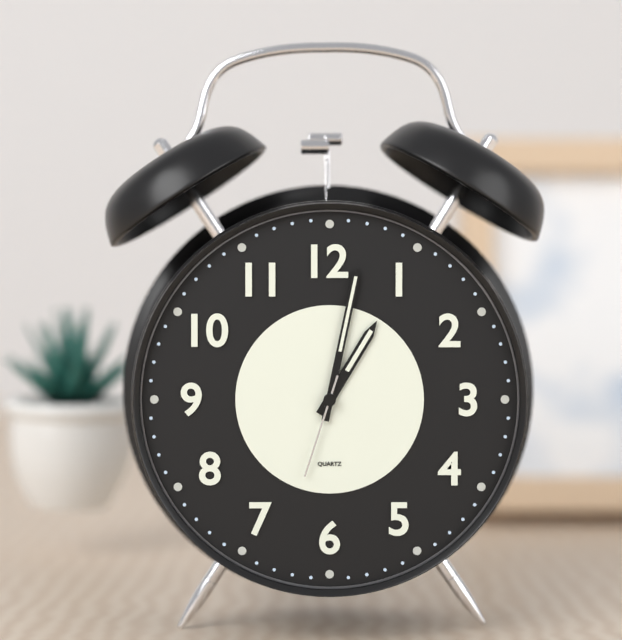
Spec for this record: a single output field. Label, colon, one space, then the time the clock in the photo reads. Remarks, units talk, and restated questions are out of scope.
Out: 1:02:33
